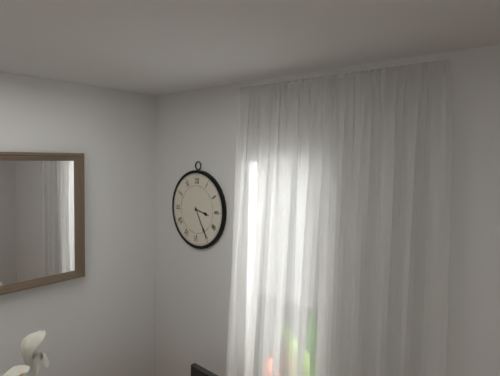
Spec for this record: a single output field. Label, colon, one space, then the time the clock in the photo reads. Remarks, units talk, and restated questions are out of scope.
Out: 3:25
